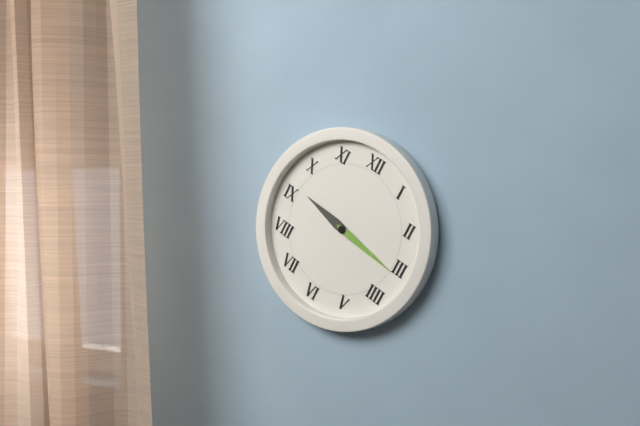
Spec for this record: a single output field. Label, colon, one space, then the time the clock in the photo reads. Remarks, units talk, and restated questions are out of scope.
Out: 9:16
